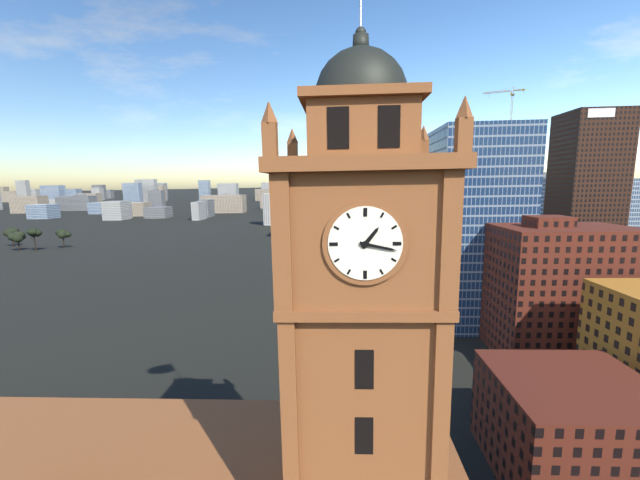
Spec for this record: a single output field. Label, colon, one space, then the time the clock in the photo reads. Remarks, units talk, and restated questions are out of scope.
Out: 1:17
